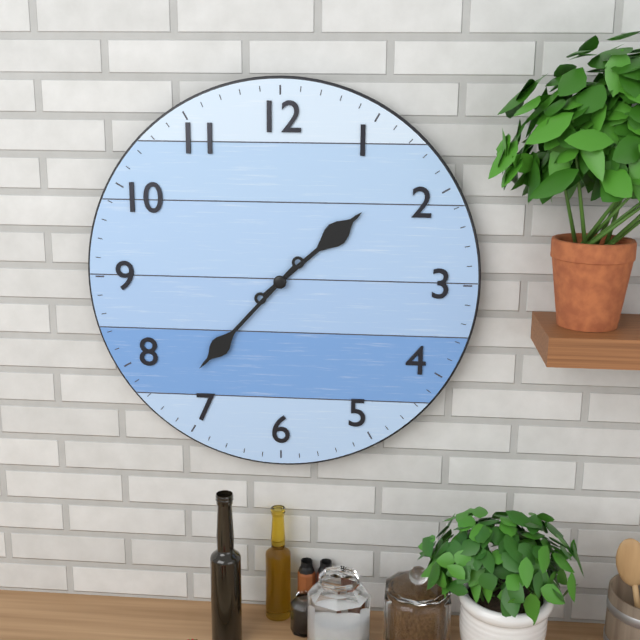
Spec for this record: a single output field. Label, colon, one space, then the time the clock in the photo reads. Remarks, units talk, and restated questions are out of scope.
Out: 1:37
